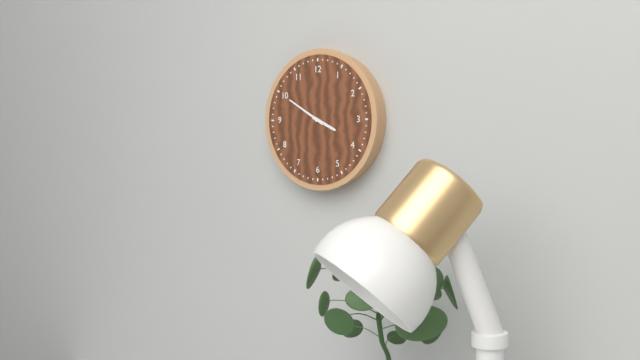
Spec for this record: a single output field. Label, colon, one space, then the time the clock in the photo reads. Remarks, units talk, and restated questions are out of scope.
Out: 3:50
